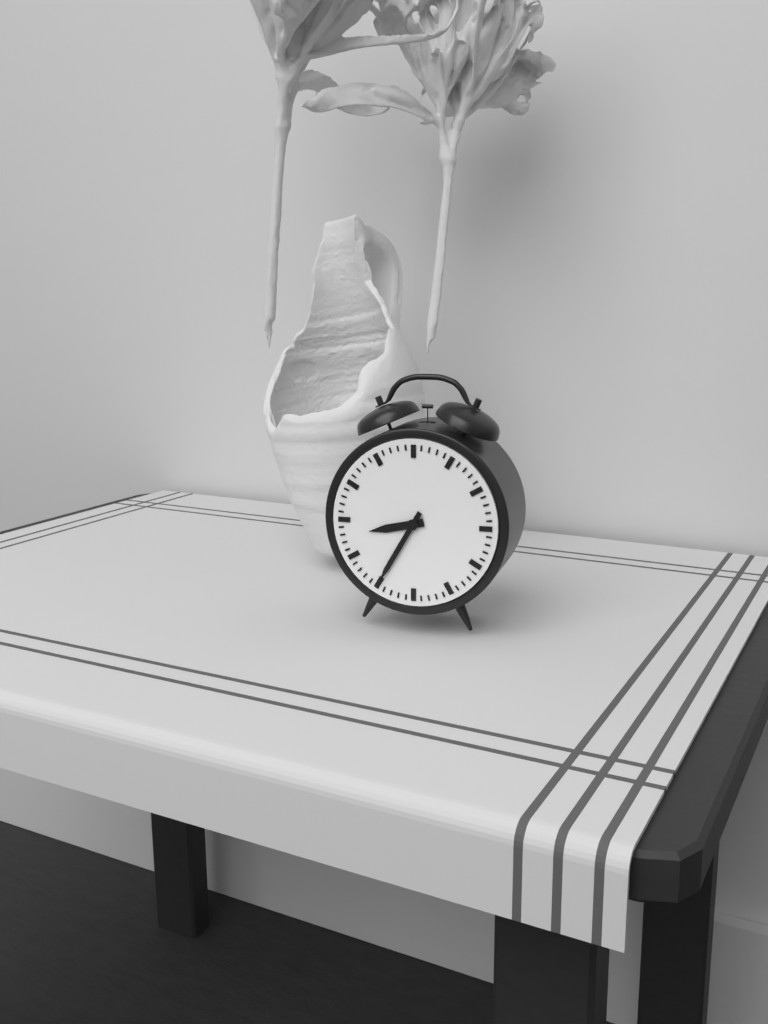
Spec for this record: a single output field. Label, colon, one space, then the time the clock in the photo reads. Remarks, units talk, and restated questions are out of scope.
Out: 8:35
